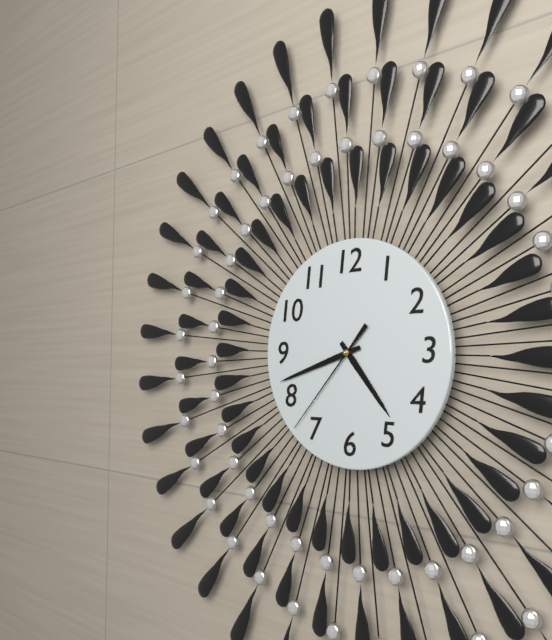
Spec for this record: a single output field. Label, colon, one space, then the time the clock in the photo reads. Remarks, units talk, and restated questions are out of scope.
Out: 4:42:37
